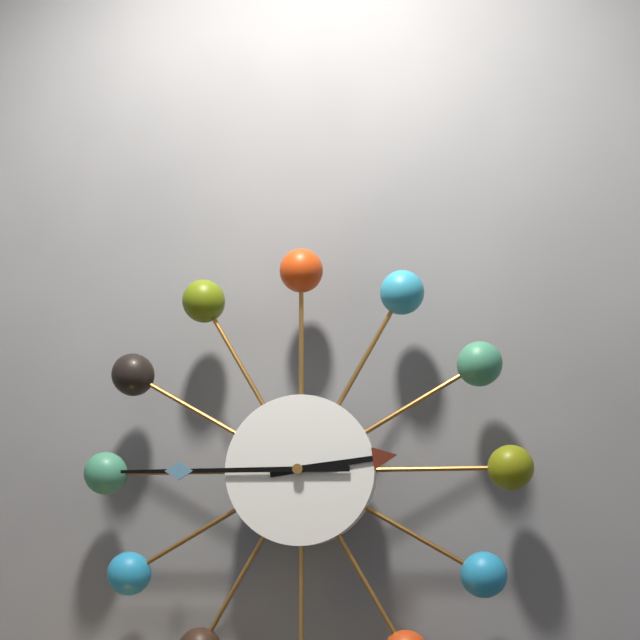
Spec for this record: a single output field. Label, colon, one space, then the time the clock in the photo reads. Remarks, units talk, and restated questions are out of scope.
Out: 2:45
